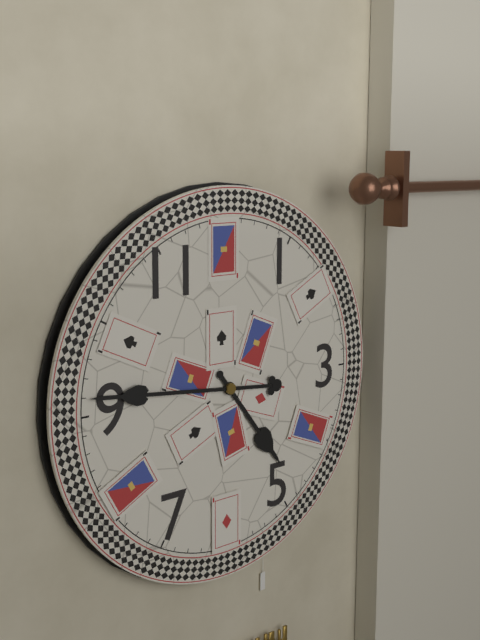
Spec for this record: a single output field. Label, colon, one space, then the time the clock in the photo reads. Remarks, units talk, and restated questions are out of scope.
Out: 4:46
